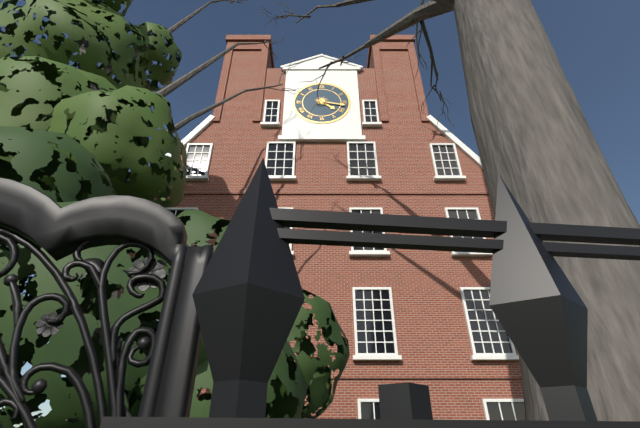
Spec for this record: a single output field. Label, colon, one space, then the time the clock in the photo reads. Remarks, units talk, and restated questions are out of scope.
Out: 4:17
